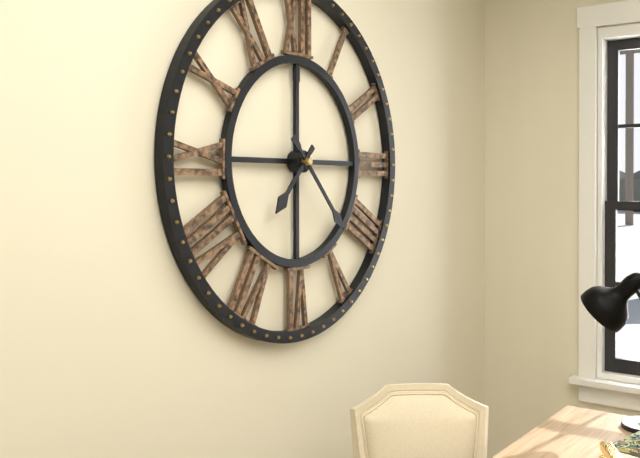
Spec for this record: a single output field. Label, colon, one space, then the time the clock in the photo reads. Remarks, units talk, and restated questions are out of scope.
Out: 7:23
